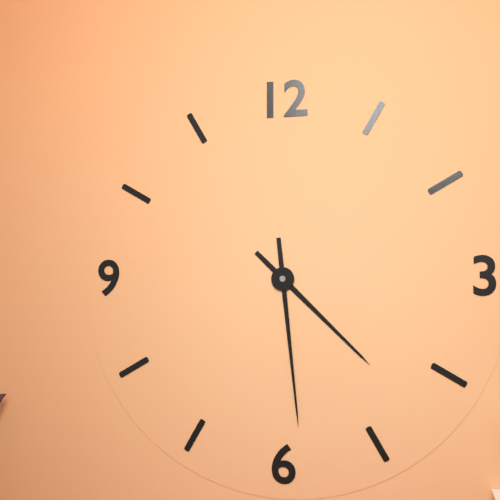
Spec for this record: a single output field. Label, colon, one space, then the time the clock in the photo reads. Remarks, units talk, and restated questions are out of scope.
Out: 4:29
